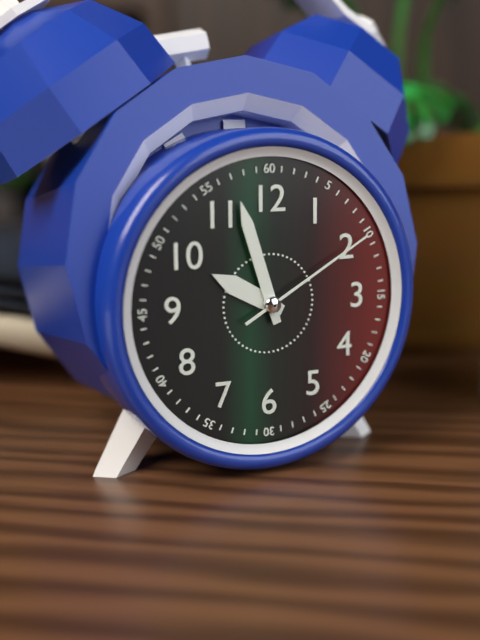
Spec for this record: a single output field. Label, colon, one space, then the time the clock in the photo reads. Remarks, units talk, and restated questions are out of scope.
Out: 9:57:10
